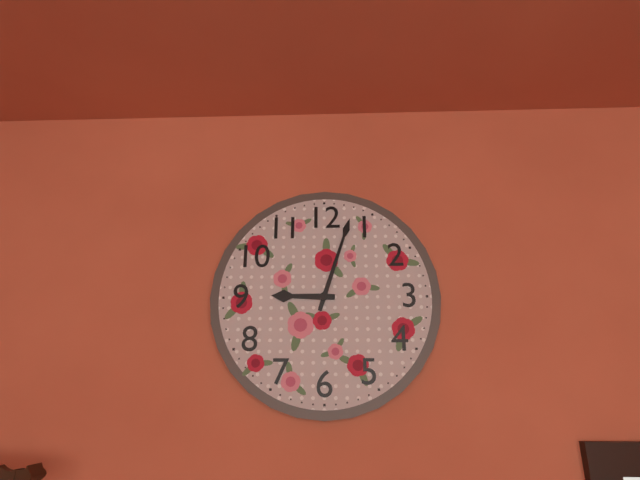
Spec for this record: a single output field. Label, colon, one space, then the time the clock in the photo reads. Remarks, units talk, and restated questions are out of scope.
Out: 9:03
